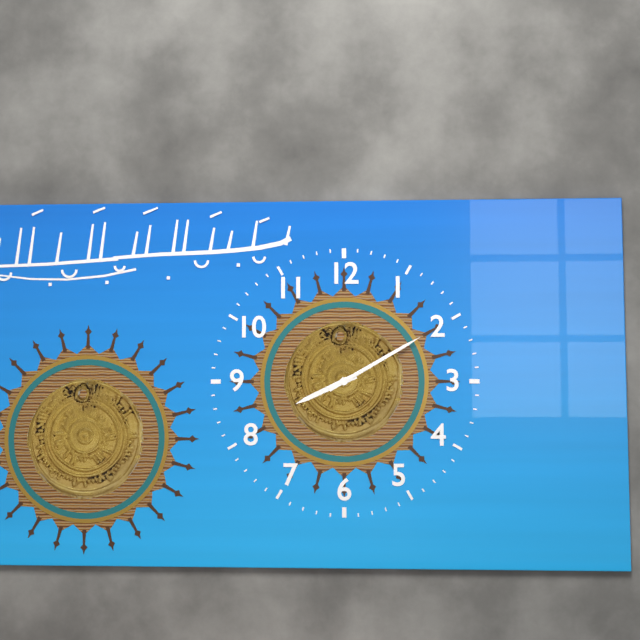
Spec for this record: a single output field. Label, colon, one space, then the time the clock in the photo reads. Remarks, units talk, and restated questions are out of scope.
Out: 8:10
